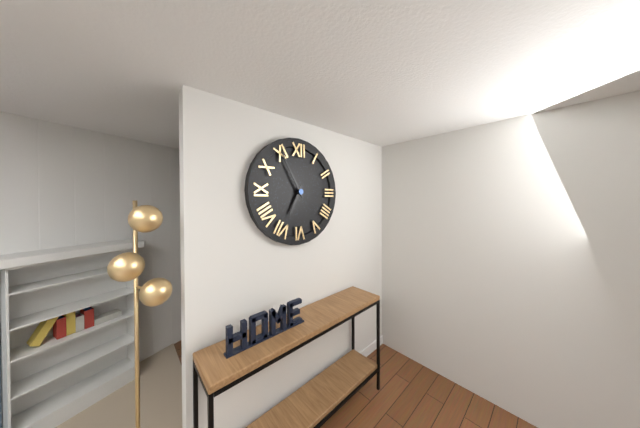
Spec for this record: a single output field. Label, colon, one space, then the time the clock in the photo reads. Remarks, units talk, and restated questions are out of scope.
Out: 6:55
